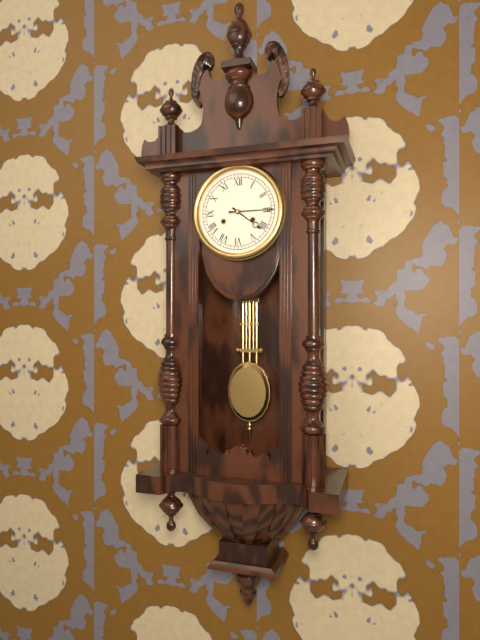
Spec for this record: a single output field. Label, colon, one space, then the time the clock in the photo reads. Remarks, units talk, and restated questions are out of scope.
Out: 4:15
